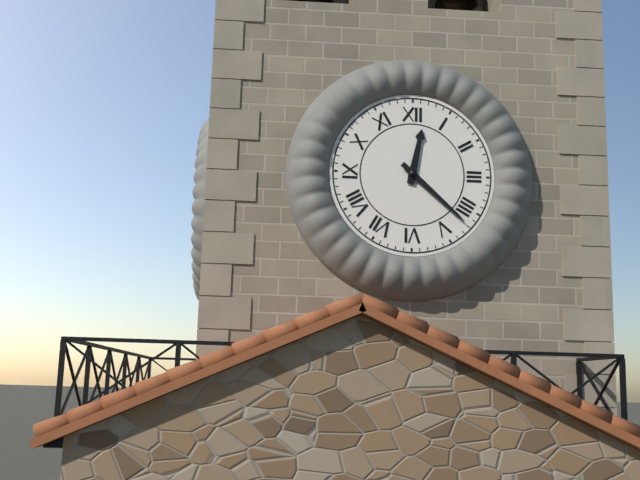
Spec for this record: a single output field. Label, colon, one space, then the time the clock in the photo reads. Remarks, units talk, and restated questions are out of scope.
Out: 12:22
